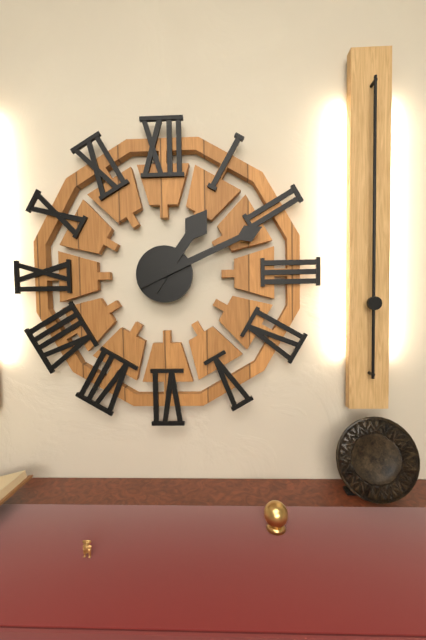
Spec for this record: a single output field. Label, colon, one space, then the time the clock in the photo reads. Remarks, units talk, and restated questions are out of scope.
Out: 1:11
